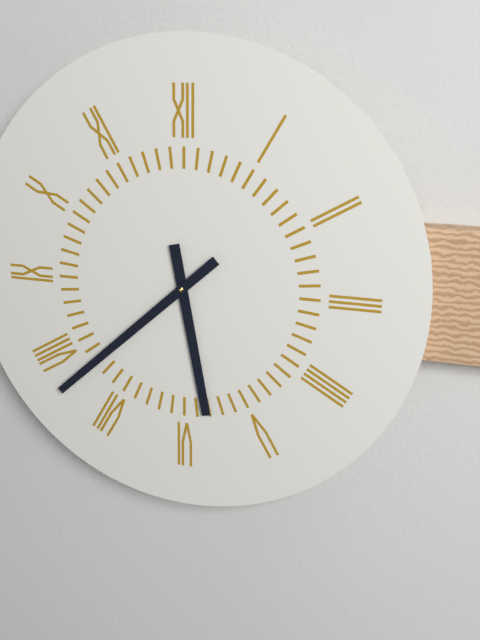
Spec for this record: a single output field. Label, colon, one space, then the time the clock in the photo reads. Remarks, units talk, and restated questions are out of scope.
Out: 5:38
